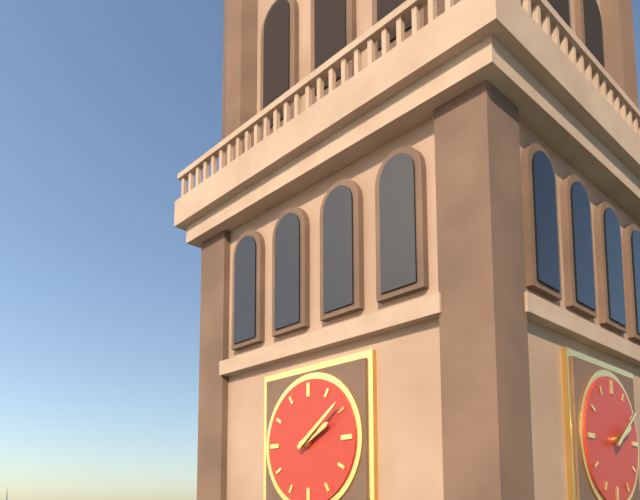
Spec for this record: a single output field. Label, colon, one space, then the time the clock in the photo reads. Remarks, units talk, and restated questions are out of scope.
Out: 2:09
